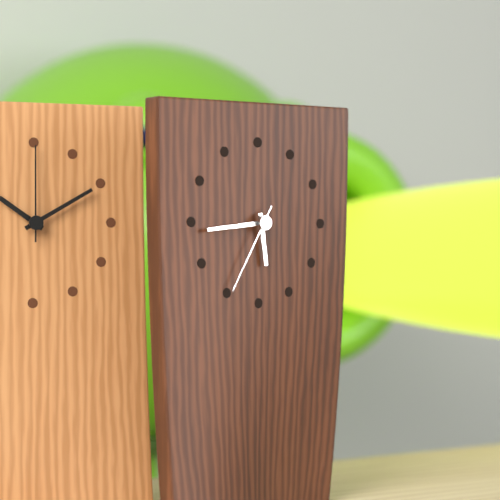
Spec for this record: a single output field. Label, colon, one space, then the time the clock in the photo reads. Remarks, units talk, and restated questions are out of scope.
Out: 5:44:35
